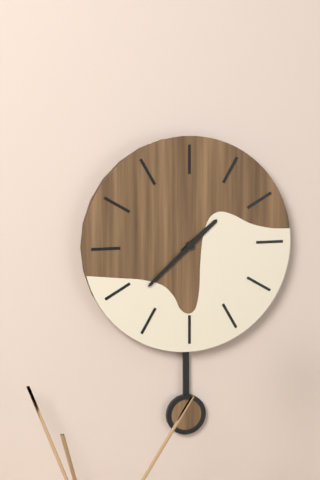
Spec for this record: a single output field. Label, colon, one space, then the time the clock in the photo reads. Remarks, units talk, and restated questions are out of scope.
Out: 1:38
